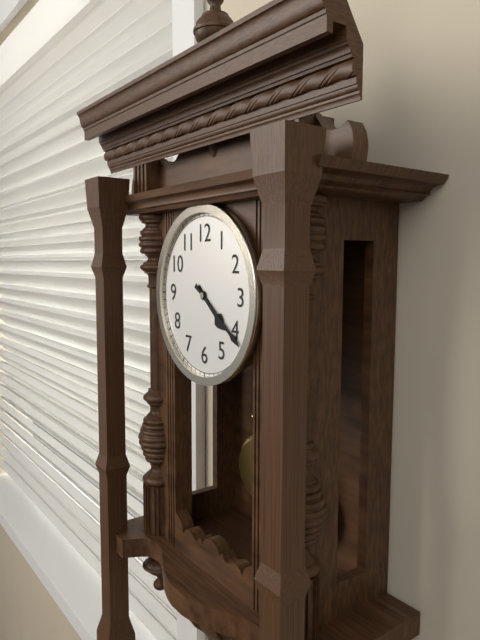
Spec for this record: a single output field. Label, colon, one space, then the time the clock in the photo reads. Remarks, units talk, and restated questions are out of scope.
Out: 4:21
